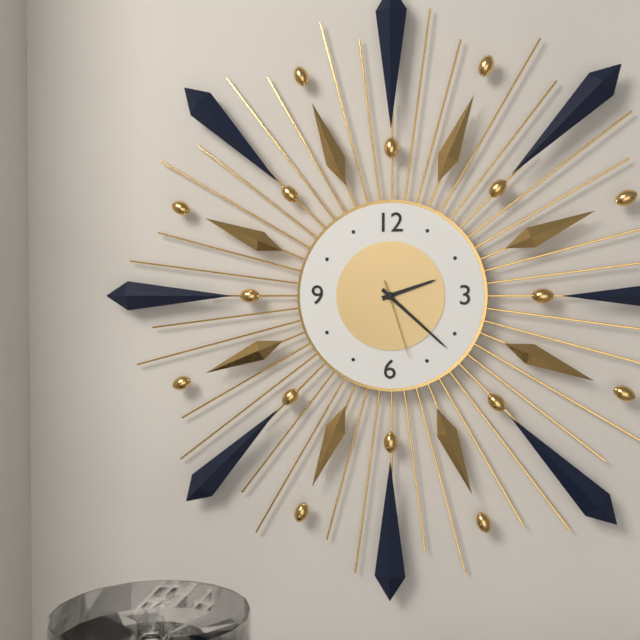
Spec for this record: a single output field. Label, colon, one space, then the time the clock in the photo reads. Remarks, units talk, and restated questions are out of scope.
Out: 2:22:27
